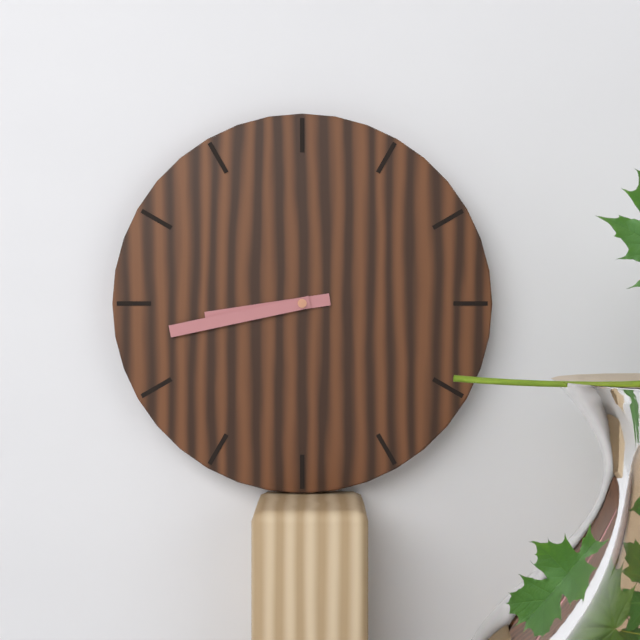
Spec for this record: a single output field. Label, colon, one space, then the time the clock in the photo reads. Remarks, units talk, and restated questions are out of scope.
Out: 8:43
